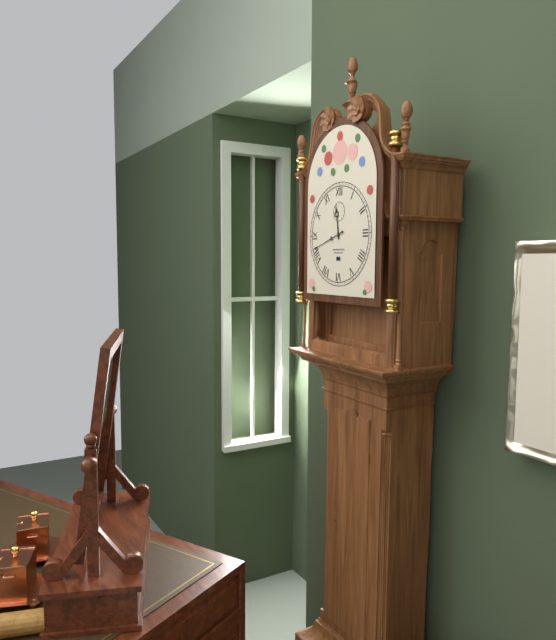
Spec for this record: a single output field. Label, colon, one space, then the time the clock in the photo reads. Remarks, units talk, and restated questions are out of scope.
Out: 11:42
